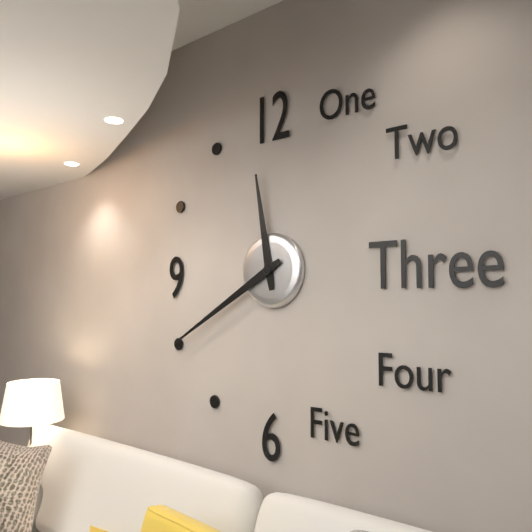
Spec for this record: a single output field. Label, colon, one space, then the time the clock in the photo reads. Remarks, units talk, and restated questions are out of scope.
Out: 11:40
